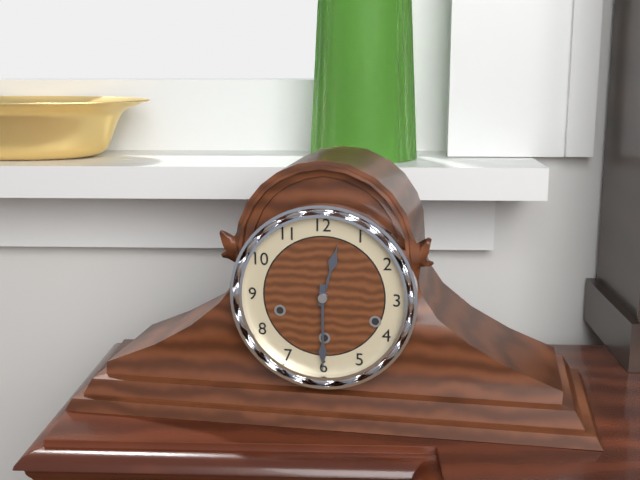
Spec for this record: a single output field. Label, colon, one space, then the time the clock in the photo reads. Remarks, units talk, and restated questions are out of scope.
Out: 12:30
